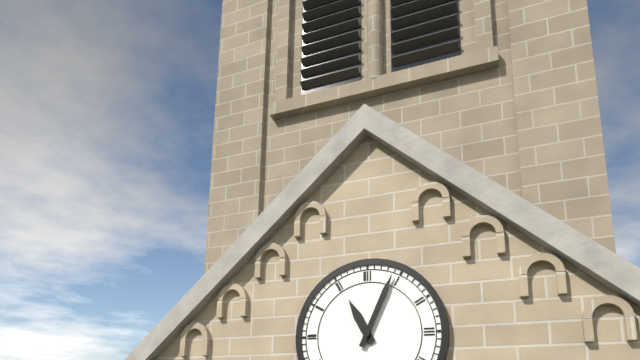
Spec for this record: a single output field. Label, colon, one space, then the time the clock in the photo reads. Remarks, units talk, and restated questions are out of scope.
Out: 11:04
